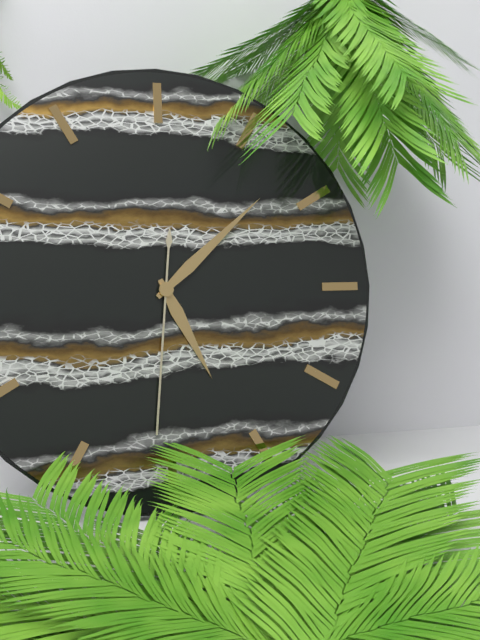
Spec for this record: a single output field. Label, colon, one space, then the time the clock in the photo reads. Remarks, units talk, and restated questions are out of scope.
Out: 5:08:31
